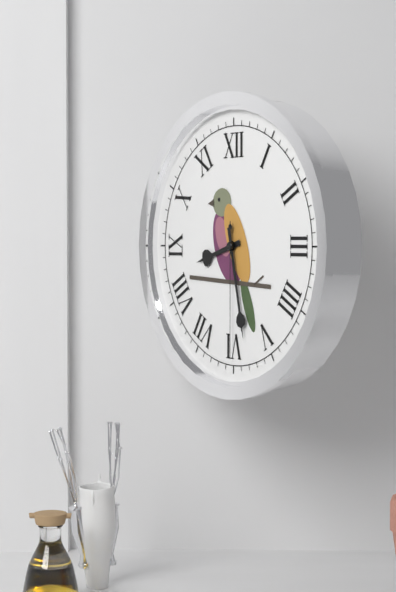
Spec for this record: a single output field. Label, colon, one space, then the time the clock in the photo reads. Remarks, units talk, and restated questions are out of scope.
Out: 8:28:30
